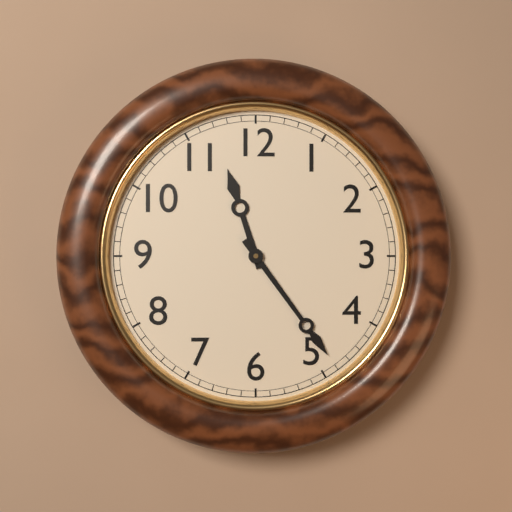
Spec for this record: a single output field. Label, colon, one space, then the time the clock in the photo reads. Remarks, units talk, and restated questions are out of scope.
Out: 11:24
